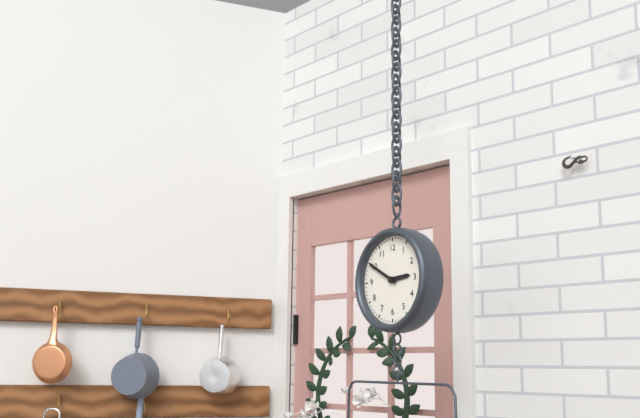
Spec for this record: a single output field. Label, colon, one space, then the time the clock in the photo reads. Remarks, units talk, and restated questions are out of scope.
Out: 2:50
